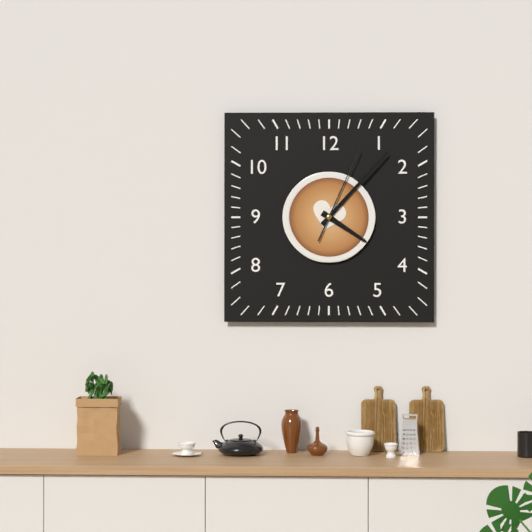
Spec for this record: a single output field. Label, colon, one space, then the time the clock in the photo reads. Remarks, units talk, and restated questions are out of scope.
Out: 4:07:04
